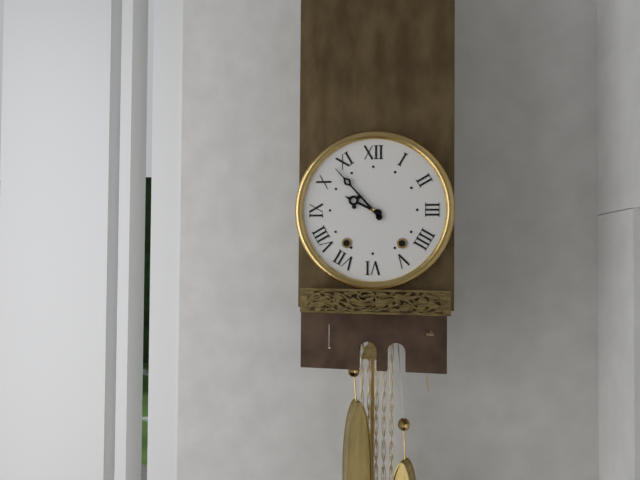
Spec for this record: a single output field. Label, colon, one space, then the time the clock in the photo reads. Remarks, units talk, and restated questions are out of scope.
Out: 9:53
